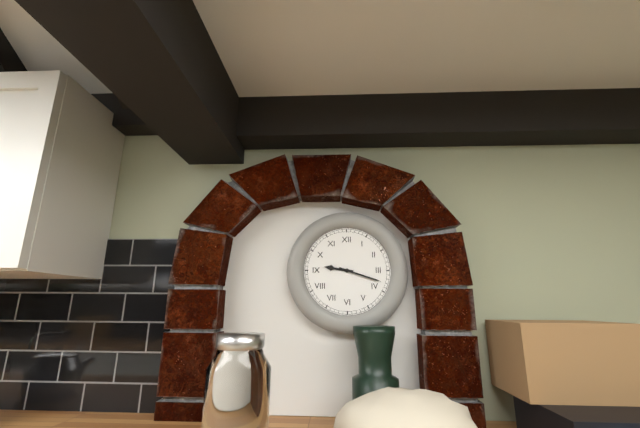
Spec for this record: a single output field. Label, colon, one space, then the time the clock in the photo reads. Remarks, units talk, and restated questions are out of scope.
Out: 9:18
